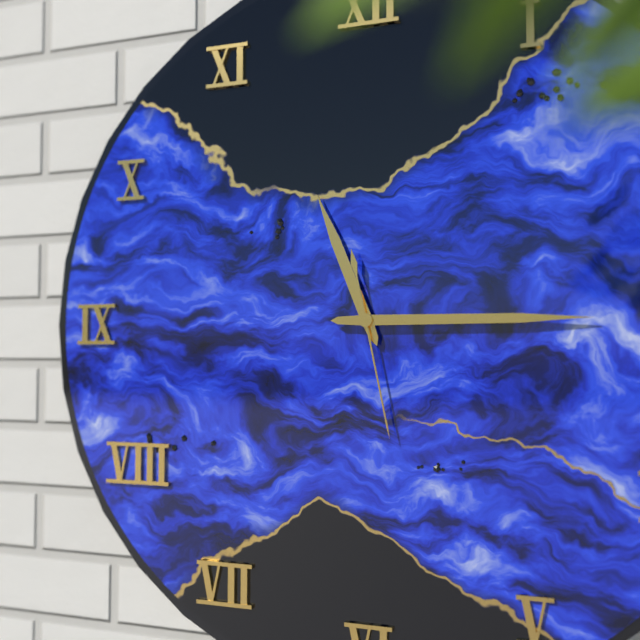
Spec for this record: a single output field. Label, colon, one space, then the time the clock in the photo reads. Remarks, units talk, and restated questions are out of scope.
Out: 11:15:28
